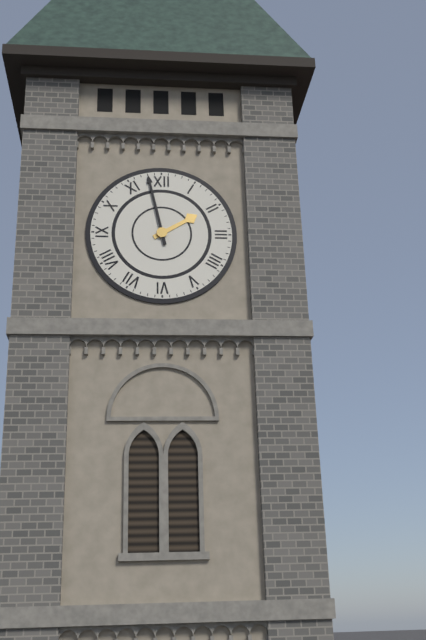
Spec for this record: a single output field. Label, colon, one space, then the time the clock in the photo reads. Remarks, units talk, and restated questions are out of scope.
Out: 1:58
